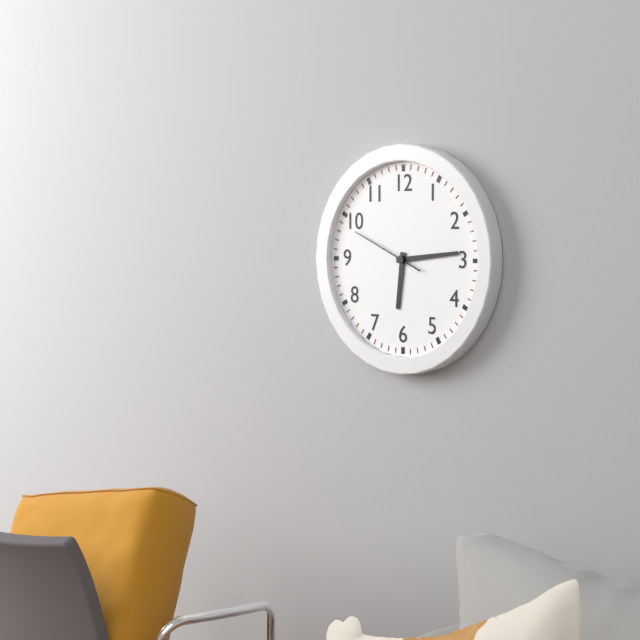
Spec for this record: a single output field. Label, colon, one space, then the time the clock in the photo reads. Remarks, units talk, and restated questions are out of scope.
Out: 6:14:49
